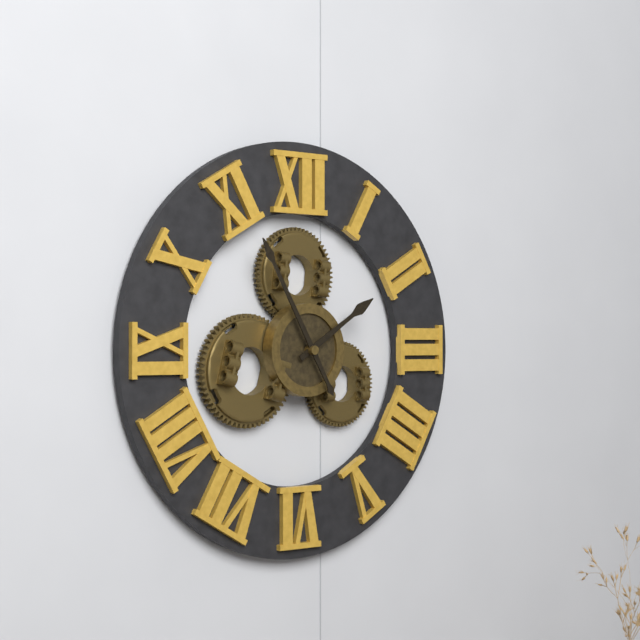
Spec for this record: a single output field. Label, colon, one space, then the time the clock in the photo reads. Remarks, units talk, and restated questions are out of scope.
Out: 1:55
